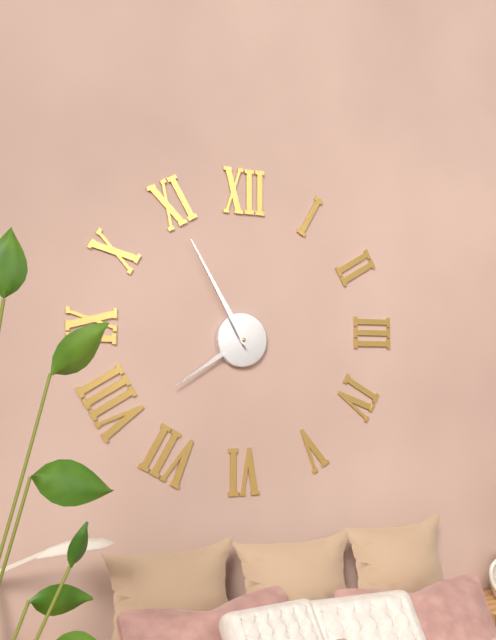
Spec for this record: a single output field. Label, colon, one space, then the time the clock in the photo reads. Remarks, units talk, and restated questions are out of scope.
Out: 7:55
